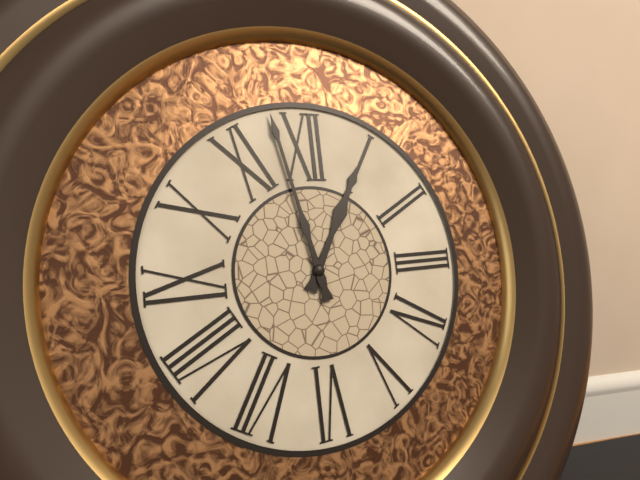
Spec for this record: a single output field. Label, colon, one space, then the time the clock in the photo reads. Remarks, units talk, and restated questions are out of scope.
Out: 12:58
